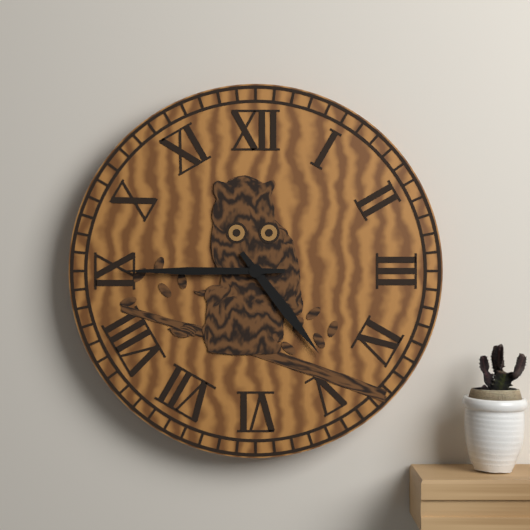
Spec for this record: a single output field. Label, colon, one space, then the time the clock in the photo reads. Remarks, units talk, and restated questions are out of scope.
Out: 4:45
